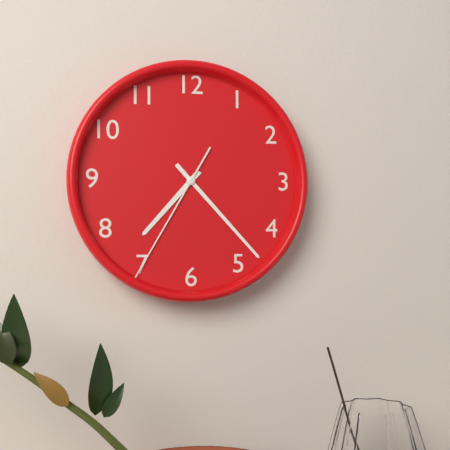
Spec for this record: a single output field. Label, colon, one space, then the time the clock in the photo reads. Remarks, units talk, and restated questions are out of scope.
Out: 7:23:35
